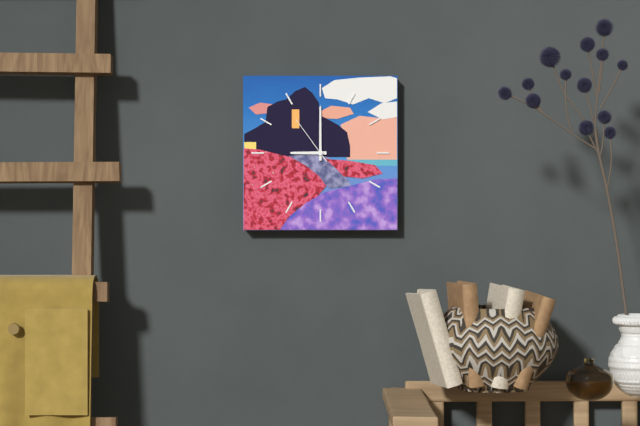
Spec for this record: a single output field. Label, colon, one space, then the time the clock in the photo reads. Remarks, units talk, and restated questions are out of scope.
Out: 9:00:54
